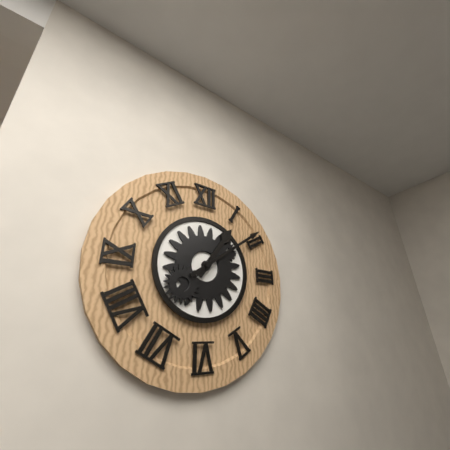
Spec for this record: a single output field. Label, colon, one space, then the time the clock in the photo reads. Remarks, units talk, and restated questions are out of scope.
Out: 1:09
